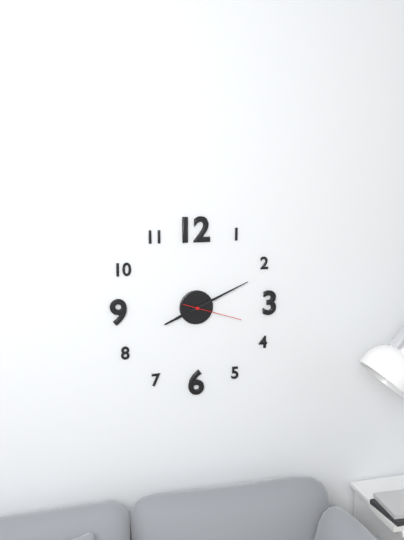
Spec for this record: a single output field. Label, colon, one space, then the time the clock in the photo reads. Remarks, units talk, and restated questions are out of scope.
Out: 8:11:18
